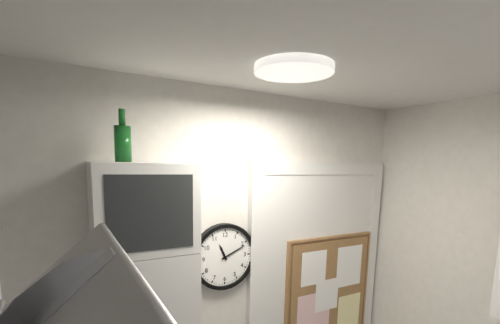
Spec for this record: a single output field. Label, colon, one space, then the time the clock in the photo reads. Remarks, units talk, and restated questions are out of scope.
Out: 11:11
